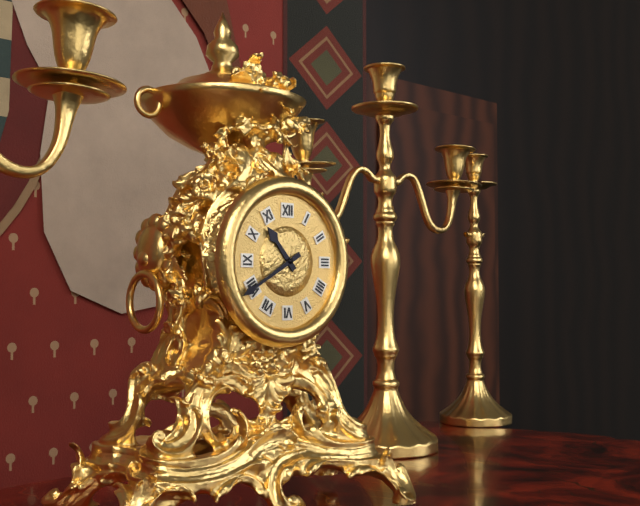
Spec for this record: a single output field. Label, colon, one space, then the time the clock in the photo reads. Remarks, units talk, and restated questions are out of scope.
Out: 10:40
